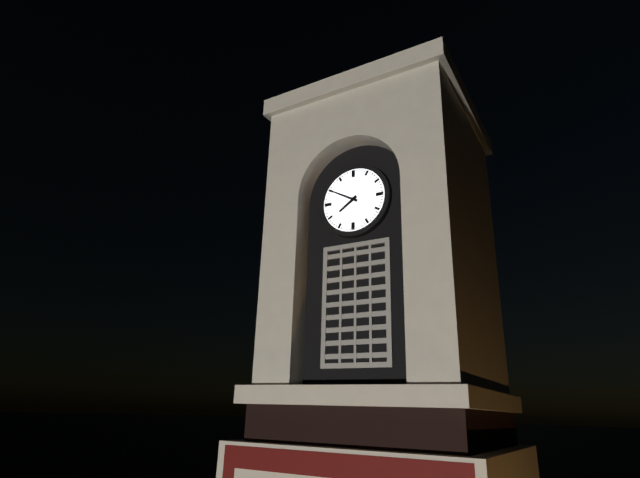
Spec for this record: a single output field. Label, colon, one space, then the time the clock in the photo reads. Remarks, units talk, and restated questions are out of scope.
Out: 7:50
